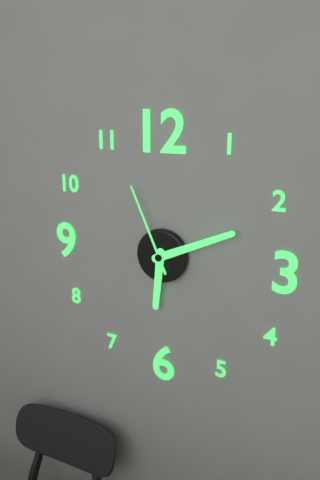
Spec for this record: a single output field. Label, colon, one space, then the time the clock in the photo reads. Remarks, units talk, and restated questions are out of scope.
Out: 6:11:56
